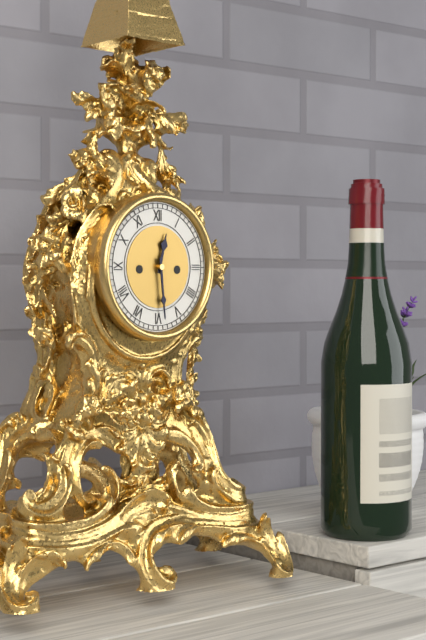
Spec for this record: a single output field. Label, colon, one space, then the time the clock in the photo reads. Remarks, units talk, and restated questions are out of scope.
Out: 12:29
